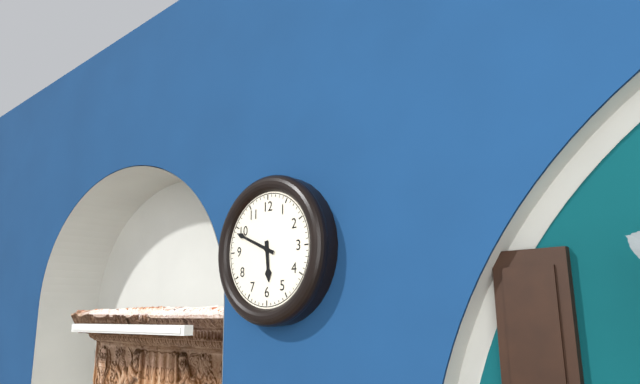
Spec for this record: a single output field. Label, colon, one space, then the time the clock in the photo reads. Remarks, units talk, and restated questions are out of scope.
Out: 5:49
